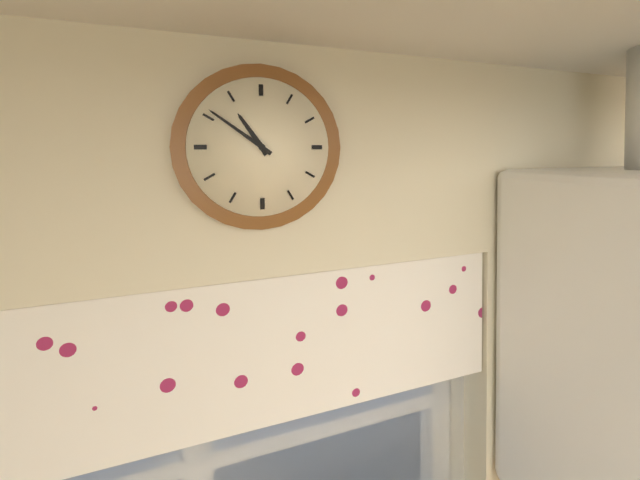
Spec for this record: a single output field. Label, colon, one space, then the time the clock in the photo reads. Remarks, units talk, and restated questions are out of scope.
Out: 10:51
